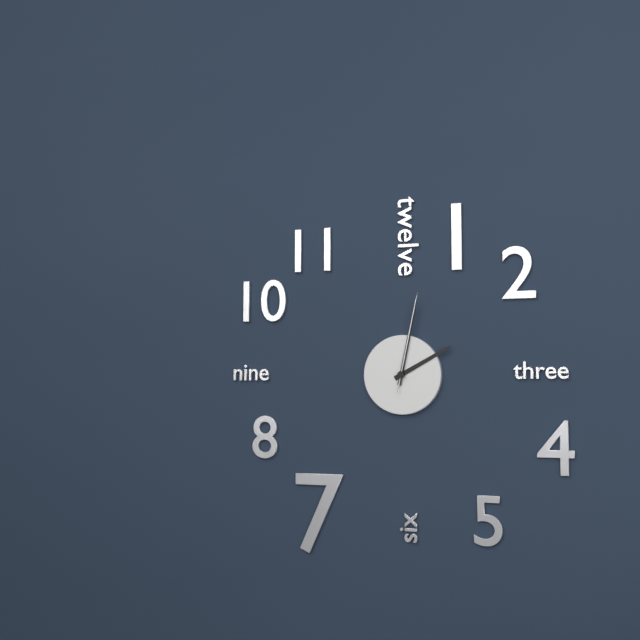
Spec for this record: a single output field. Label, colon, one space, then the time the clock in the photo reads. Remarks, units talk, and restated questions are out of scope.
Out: 2:02:02
